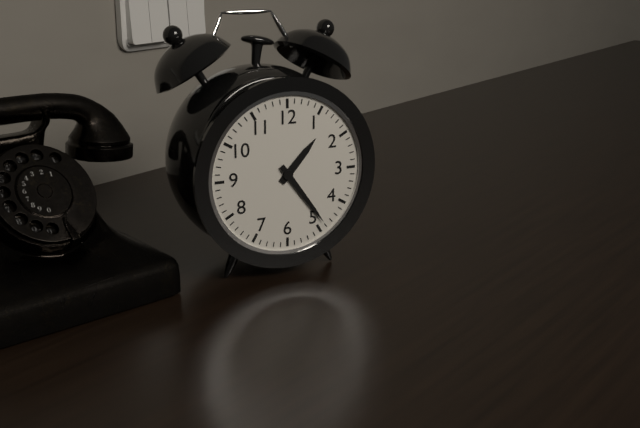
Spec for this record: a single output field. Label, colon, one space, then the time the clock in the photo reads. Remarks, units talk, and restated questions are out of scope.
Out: 1:24
